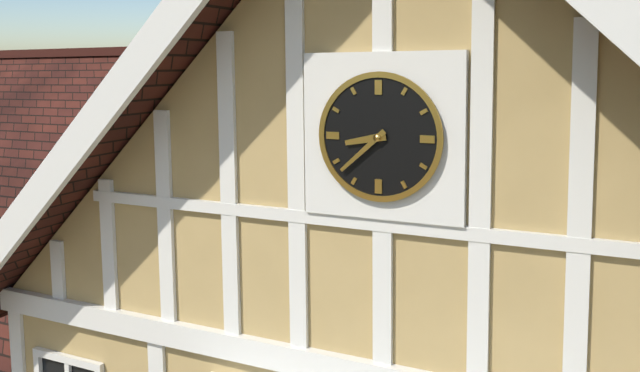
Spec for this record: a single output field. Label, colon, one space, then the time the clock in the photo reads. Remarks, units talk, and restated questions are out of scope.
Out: 8:38
